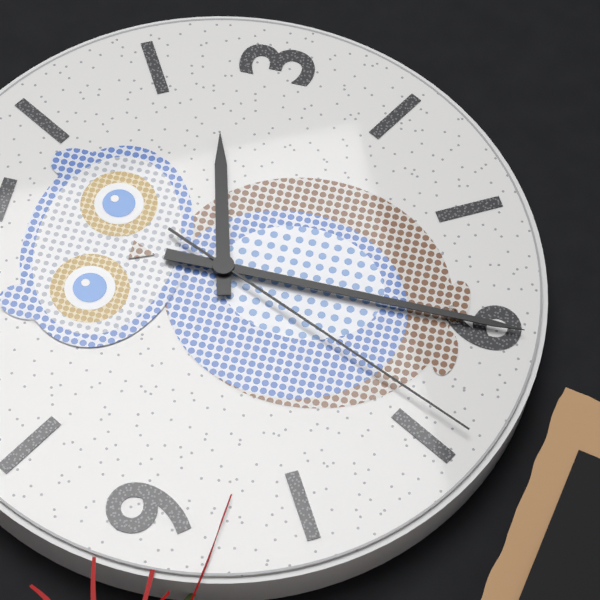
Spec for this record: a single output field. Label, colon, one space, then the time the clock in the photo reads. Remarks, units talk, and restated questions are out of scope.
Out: 2:30:34
